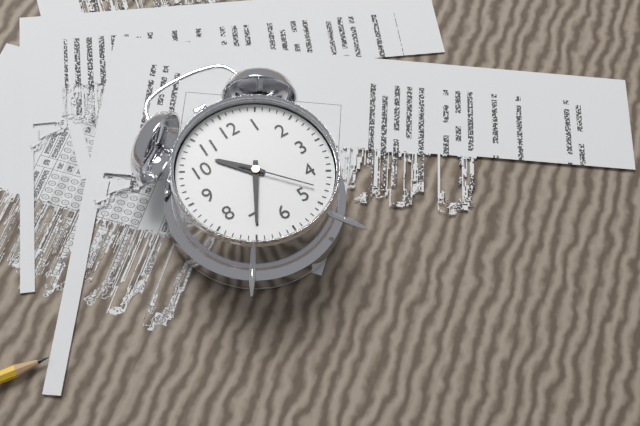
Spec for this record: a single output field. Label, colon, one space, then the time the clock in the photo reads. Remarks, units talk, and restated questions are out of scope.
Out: 10:35:23
